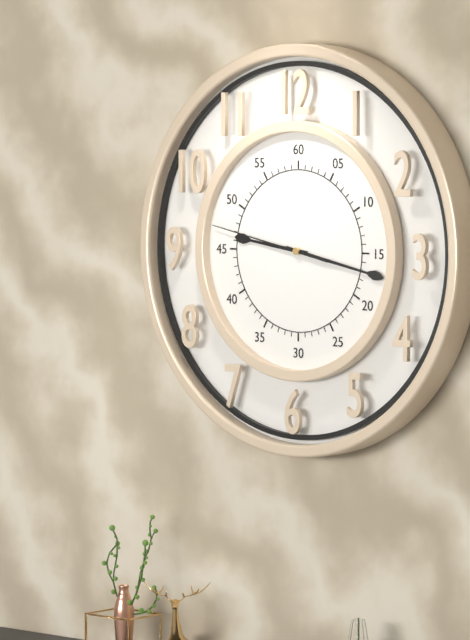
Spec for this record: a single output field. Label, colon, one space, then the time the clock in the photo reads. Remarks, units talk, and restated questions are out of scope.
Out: 9:17:47
